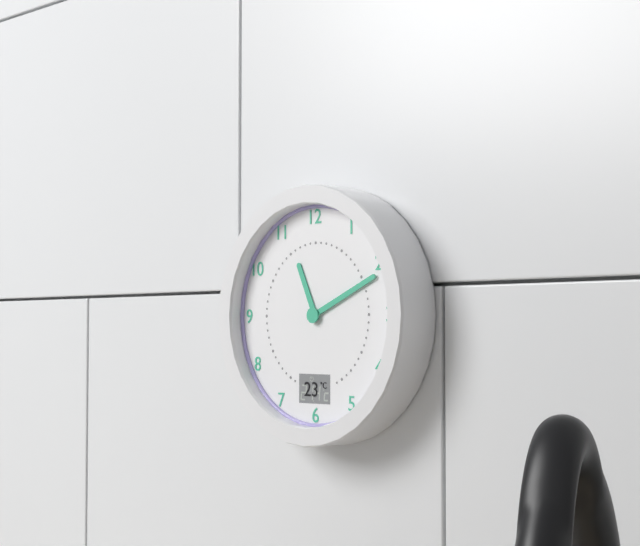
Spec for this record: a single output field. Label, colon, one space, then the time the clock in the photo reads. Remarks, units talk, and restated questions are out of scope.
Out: 11:11
